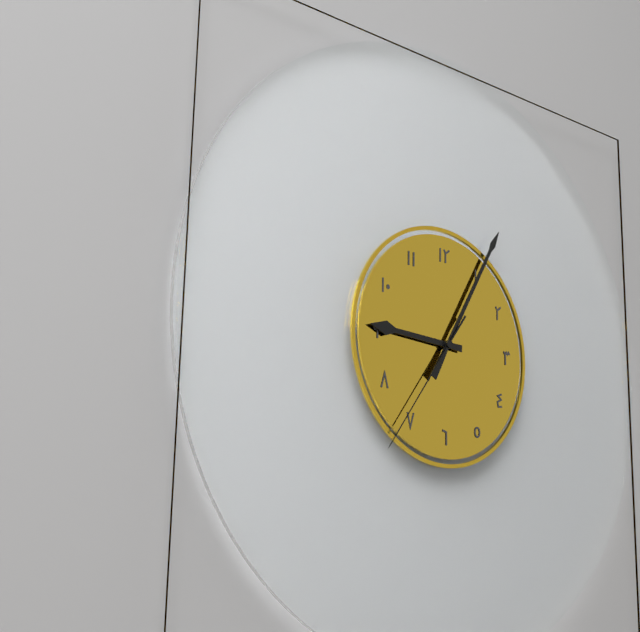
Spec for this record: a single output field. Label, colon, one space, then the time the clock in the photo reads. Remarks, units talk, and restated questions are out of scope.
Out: 9:05:36
